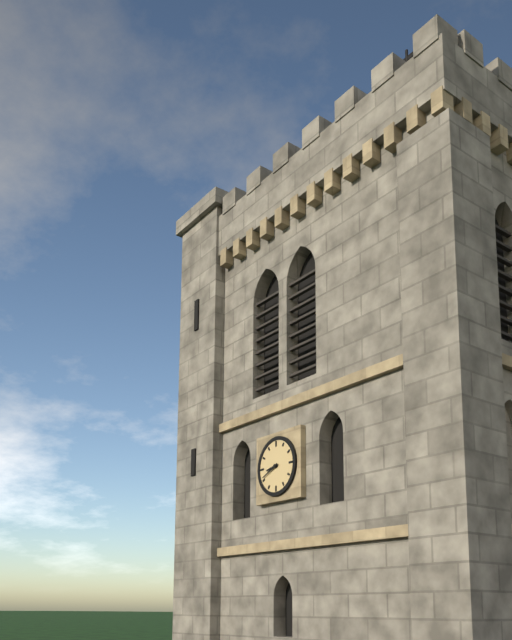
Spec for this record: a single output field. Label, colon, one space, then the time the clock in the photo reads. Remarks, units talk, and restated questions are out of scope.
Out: 8:41
